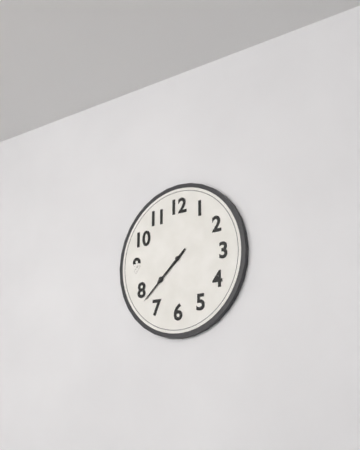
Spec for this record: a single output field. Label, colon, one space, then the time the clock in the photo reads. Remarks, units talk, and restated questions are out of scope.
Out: 7:38
